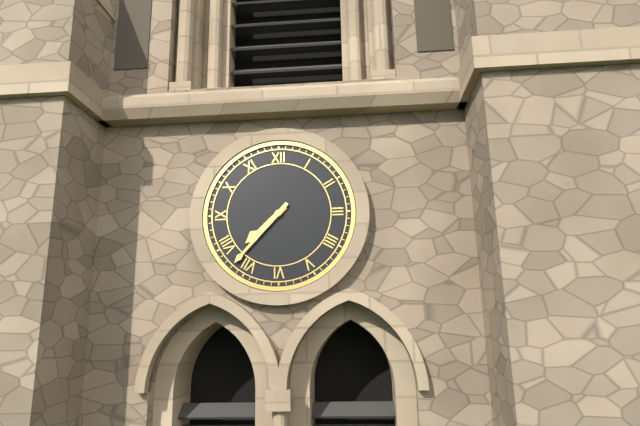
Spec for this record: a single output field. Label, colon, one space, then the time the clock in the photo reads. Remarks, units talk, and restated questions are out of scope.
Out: 7:37
